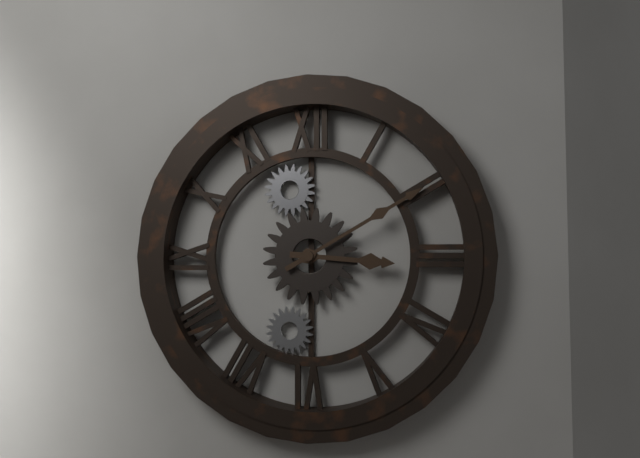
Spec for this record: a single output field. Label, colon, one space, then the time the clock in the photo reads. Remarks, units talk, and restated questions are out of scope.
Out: 3:10
